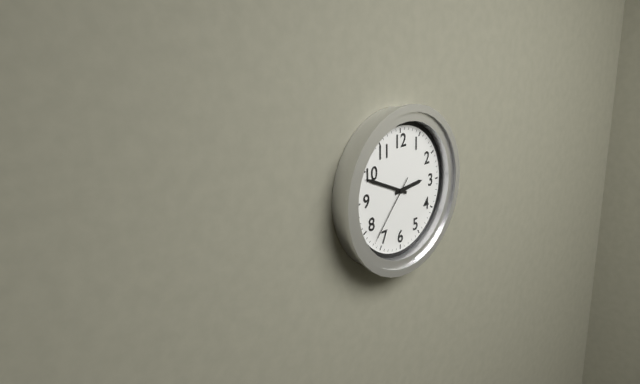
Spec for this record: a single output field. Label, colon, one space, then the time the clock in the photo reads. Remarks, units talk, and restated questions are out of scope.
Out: 2:49:37
